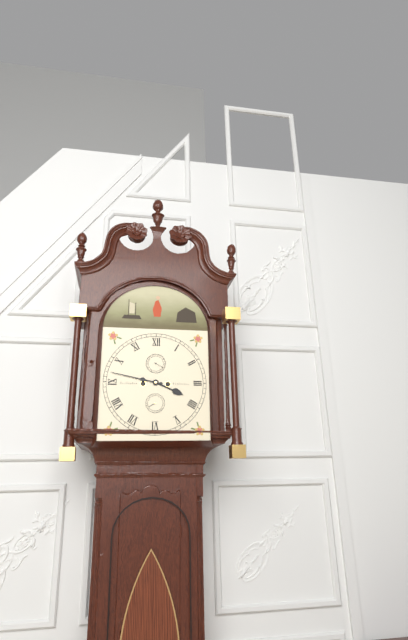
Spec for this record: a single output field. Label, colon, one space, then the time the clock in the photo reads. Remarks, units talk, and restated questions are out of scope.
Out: 3:47
